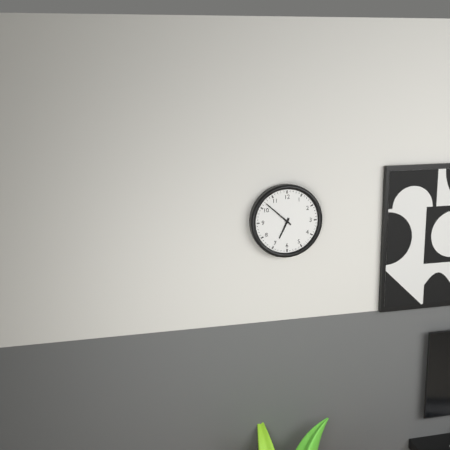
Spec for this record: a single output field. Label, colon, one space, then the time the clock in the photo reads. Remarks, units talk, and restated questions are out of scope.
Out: 6:52
